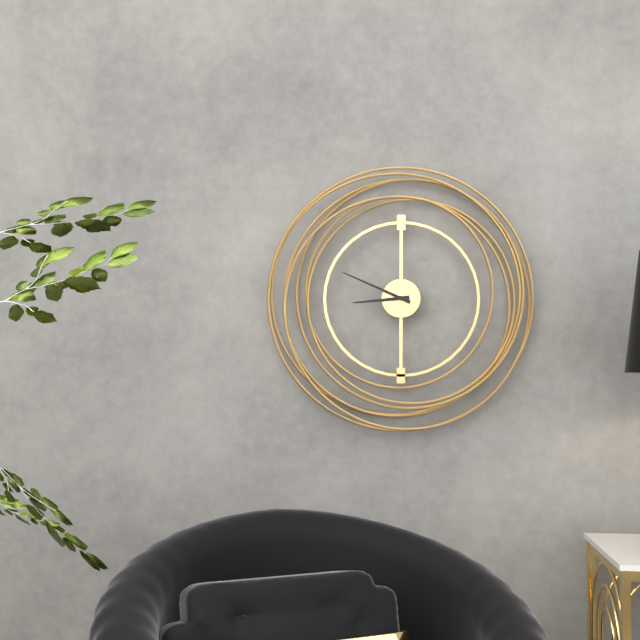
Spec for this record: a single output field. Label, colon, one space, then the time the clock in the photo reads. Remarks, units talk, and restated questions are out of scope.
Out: 8:49
